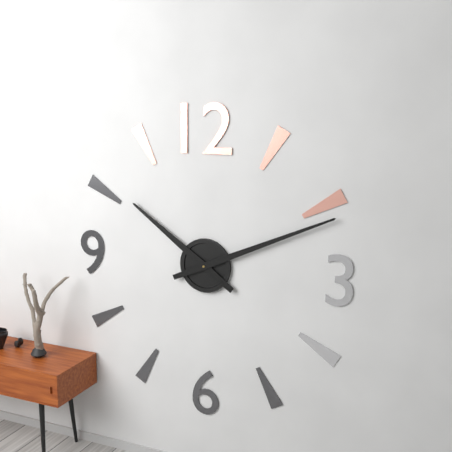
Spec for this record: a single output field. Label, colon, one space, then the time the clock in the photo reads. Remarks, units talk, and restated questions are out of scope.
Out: 10:11
